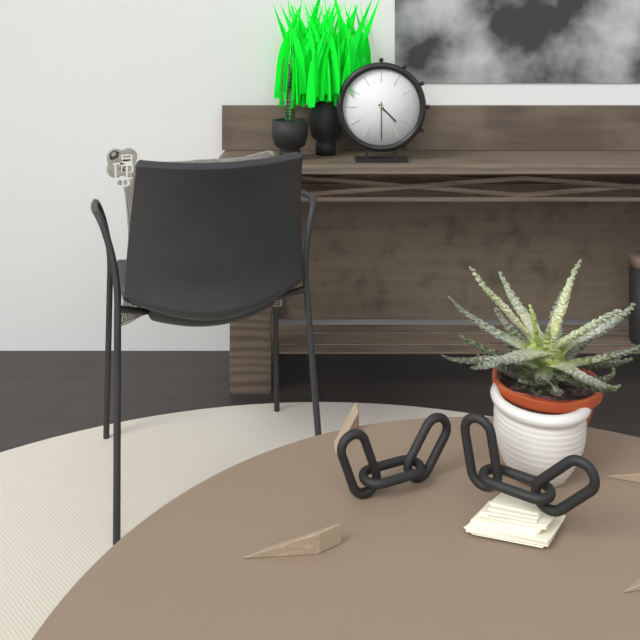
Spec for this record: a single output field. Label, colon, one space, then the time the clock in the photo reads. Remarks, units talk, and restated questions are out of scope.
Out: 4:30
